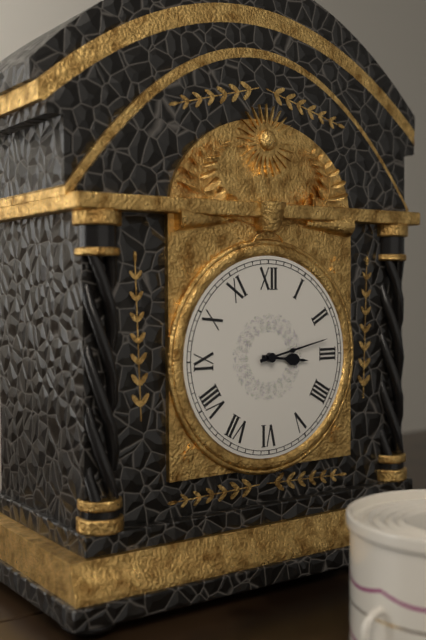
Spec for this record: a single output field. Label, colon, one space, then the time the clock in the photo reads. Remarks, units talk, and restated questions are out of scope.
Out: 3:13
